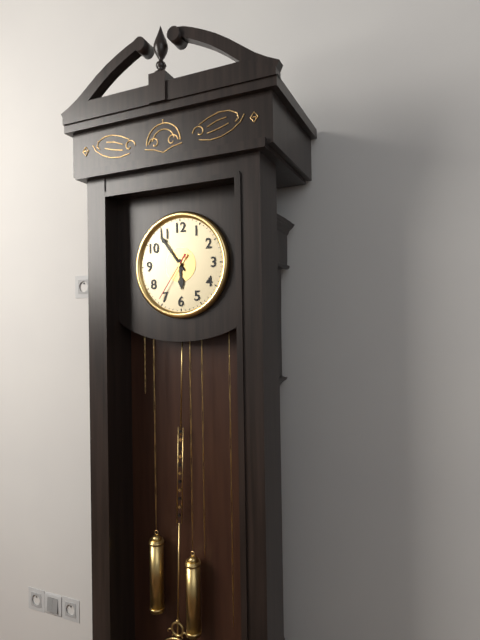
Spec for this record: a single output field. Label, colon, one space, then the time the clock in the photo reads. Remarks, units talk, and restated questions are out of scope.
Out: 5:54
